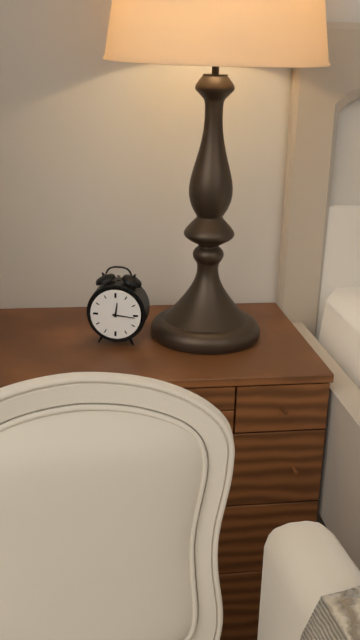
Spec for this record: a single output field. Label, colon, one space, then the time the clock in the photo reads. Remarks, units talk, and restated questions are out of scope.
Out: 12:16
